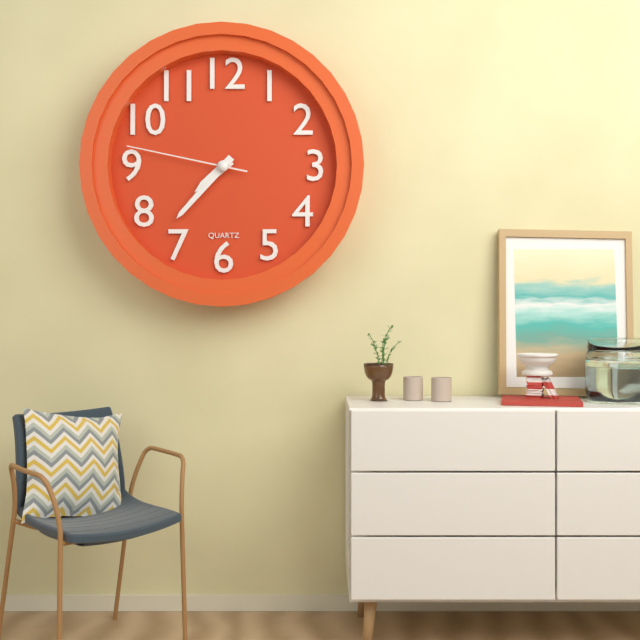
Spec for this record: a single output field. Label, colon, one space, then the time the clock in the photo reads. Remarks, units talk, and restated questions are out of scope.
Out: 7:37:47
